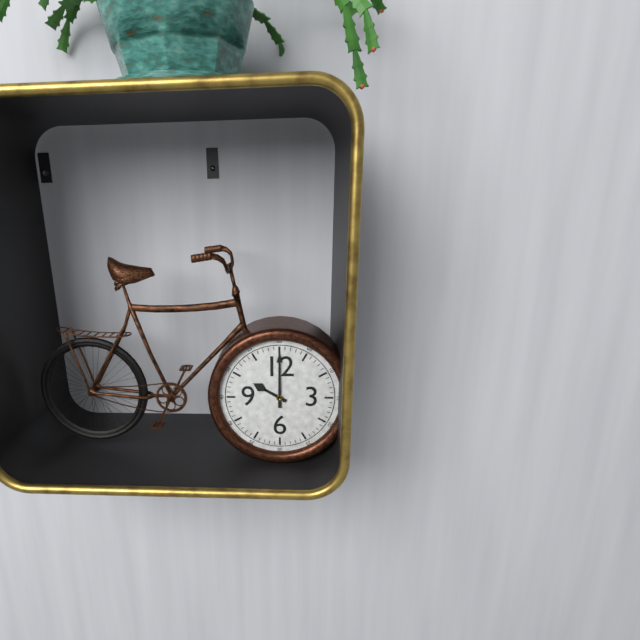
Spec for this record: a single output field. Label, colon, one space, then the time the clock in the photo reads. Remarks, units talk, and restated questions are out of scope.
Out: 10:00
